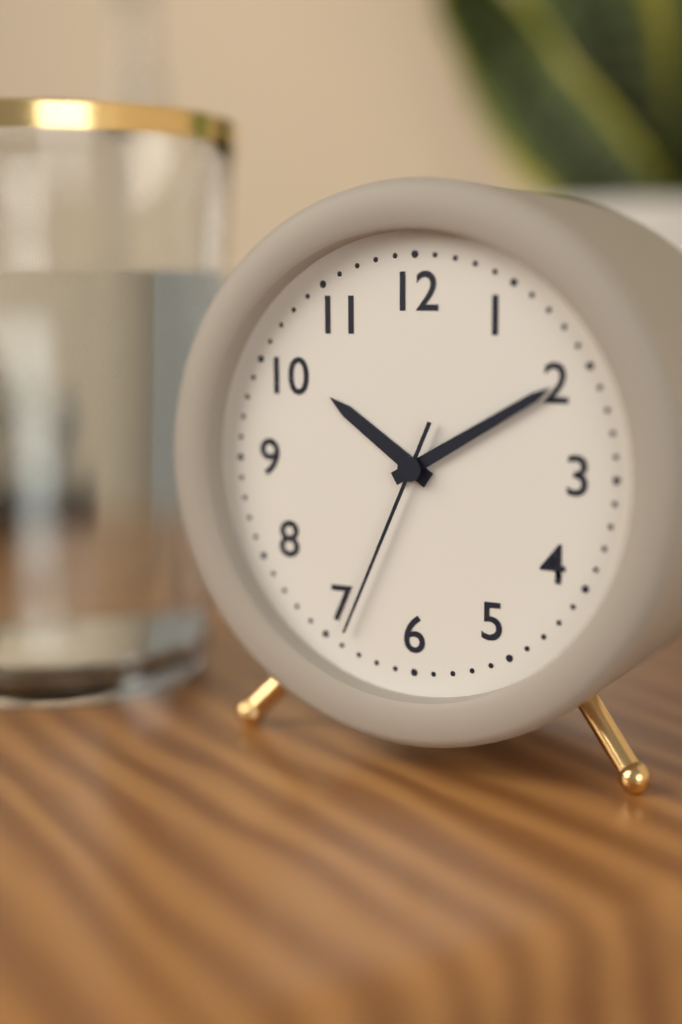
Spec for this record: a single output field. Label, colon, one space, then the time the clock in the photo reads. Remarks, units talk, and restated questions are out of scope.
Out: 10:10:34
